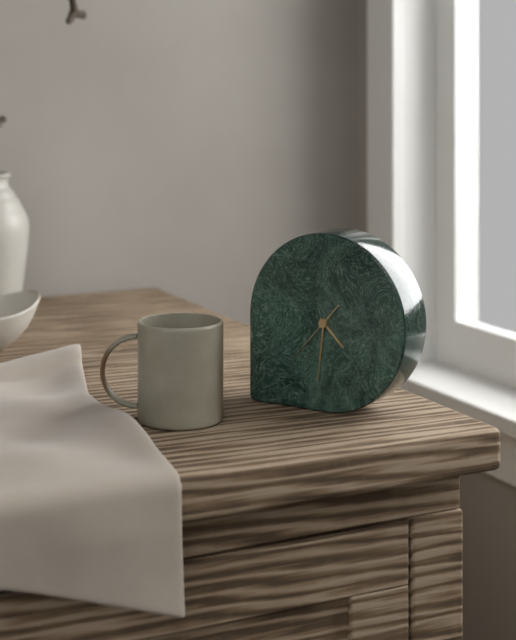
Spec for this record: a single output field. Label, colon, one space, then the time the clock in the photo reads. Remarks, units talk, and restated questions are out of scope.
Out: 4:31:37
